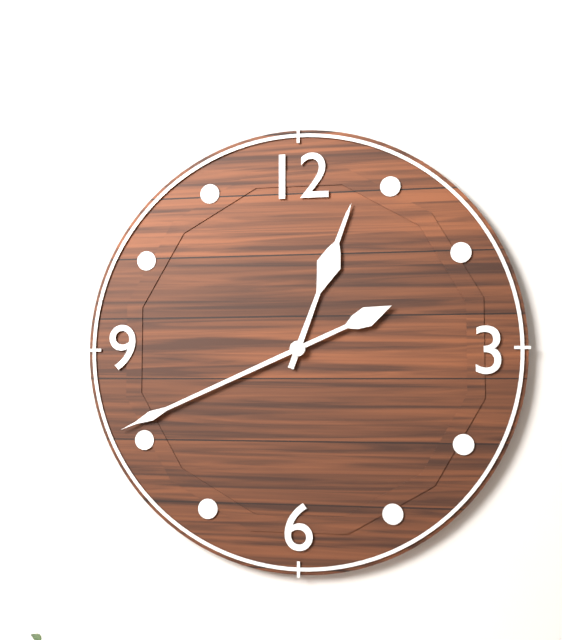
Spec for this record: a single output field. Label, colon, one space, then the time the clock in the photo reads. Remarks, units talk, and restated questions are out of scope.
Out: 12:41
